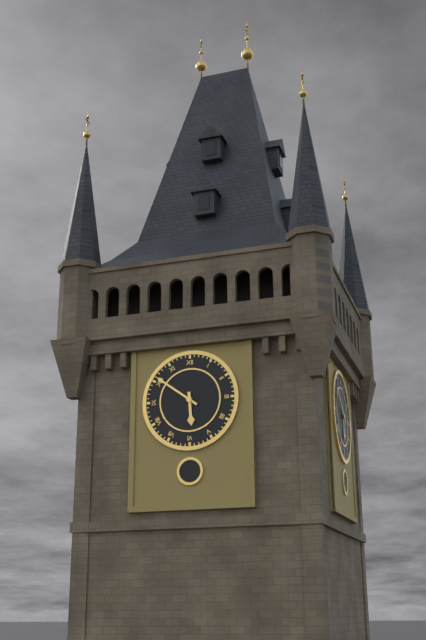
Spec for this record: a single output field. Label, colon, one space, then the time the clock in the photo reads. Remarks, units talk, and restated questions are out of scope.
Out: 5:51
